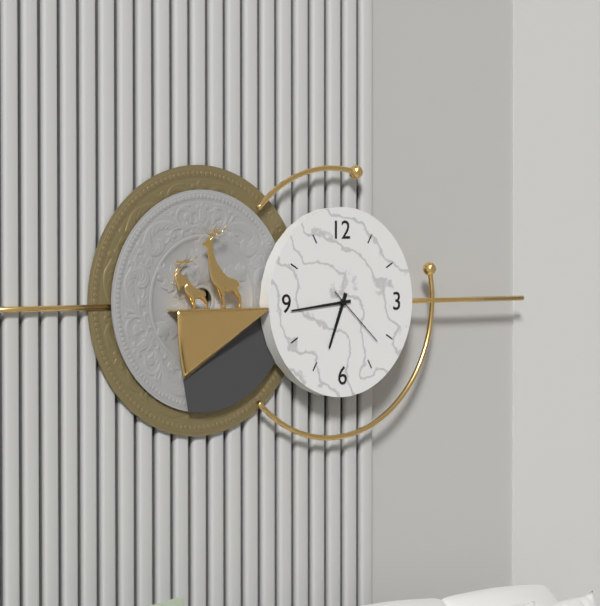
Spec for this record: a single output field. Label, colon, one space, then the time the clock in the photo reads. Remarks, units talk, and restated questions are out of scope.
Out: 6:44:22
